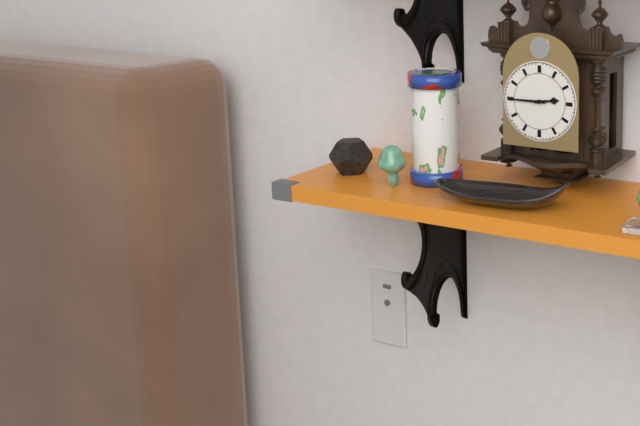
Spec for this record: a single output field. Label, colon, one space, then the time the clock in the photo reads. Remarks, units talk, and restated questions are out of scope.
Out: 2:45
